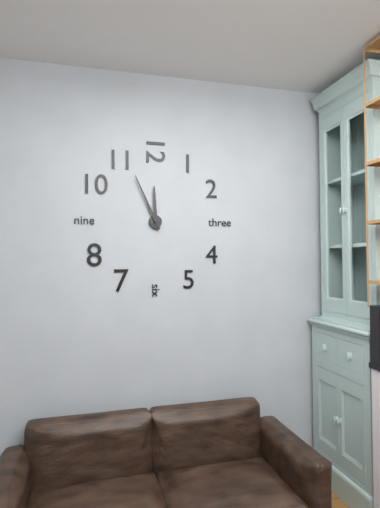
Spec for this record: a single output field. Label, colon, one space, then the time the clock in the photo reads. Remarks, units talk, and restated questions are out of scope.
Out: 11:56
